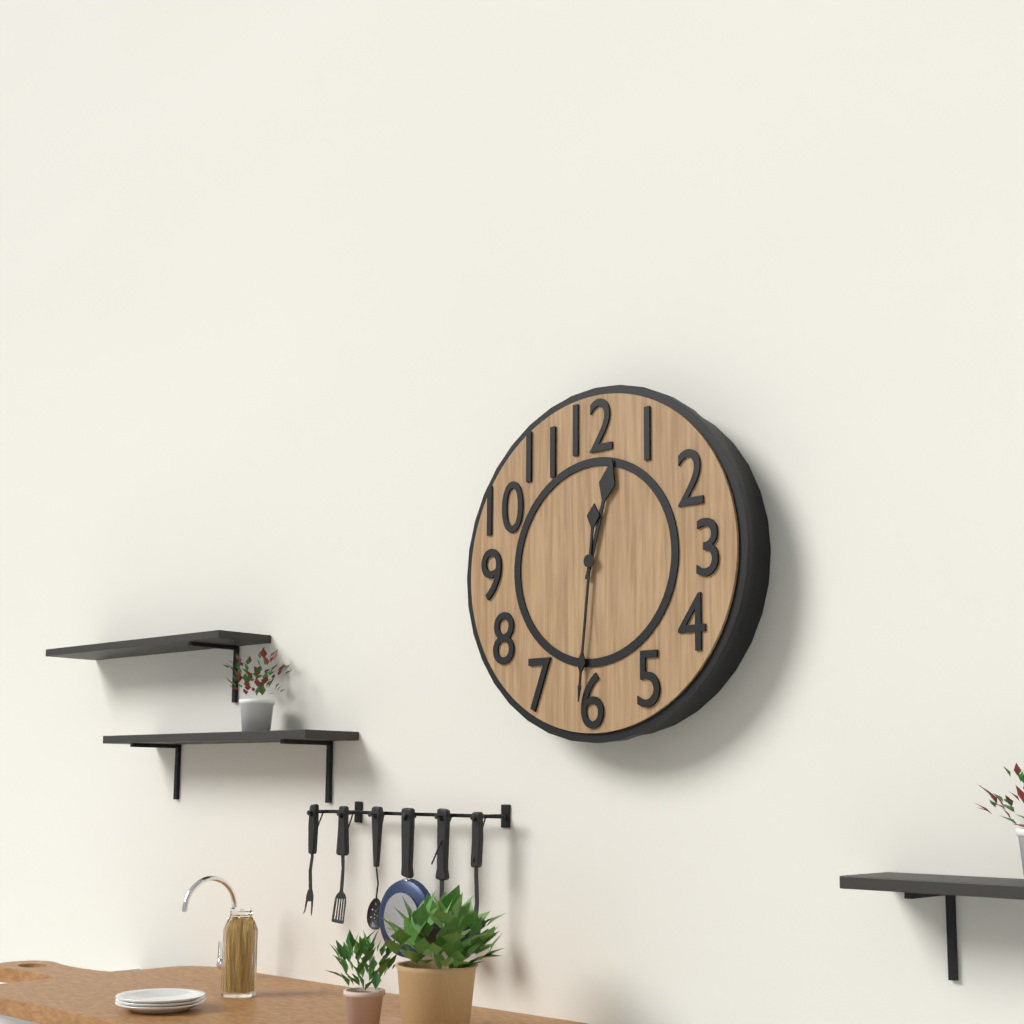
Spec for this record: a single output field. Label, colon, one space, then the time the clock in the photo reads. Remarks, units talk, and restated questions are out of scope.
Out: 12:31
